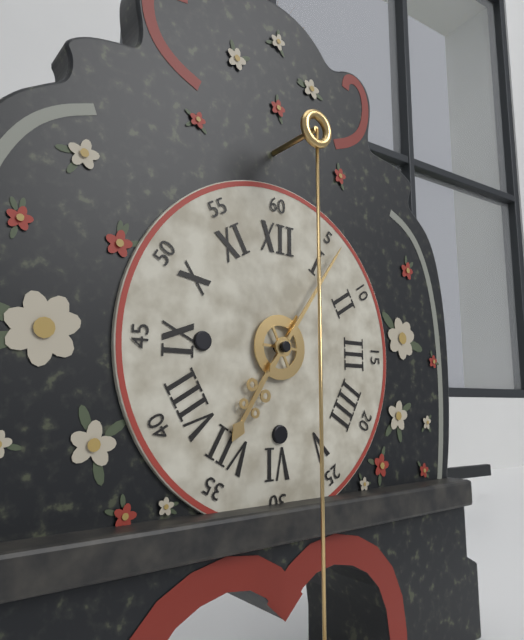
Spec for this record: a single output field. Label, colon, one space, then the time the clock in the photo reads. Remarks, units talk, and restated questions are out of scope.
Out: 7:06
